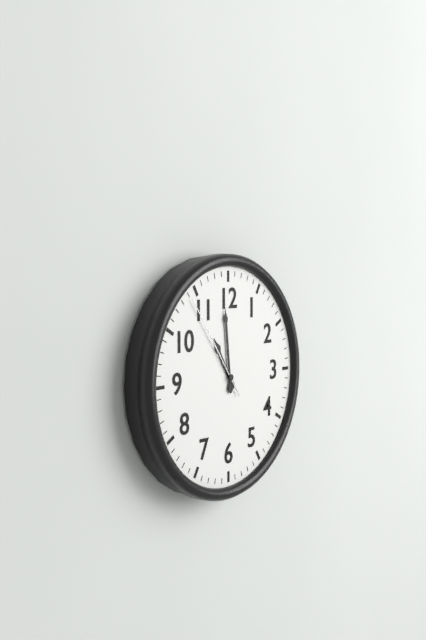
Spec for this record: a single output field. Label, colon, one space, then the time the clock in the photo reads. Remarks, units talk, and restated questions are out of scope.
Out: 10:59:54
